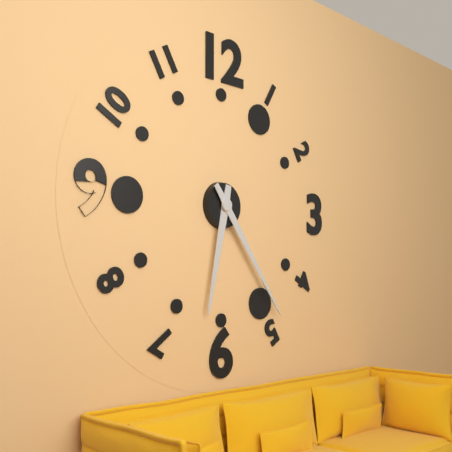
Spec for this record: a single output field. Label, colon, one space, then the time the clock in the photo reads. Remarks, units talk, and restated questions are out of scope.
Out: 6:24
